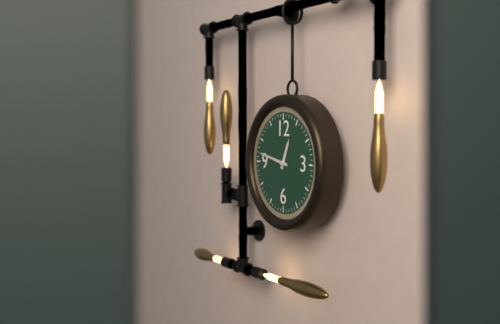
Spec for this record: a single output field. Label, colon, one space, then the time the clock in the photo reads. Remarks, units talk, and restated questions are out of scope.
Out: 12:47
